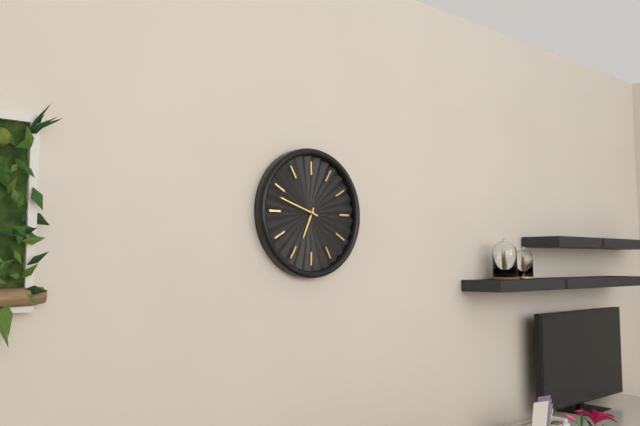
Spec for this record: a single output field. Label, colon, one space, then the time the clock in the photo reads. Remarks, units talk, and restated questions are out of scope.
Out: 6:48
